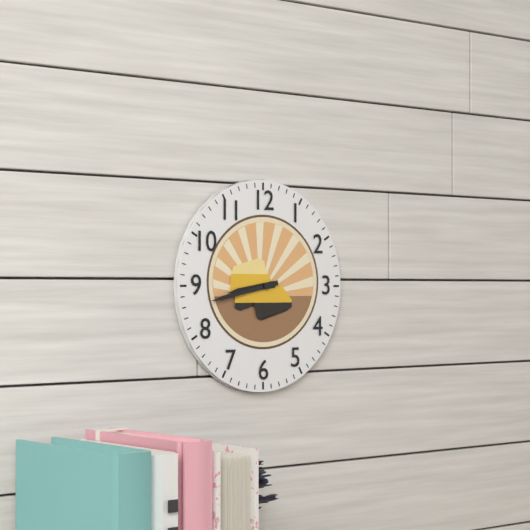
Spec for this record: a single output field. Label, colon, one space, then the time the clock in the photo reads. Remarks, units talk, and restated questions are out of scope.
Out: 8:43
